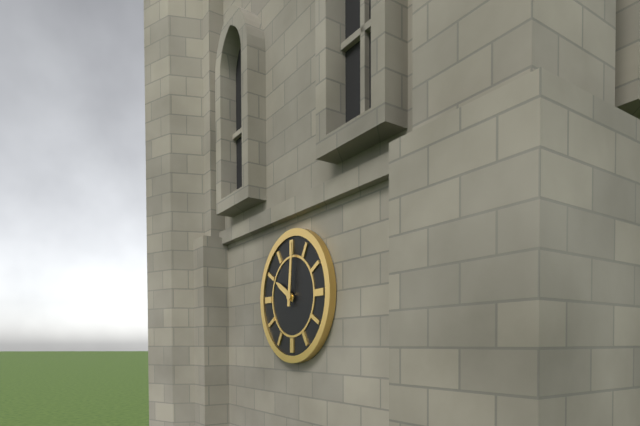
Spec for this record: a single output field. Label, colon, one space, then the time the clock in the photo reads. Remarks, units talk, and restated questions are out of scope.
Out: 10:01
